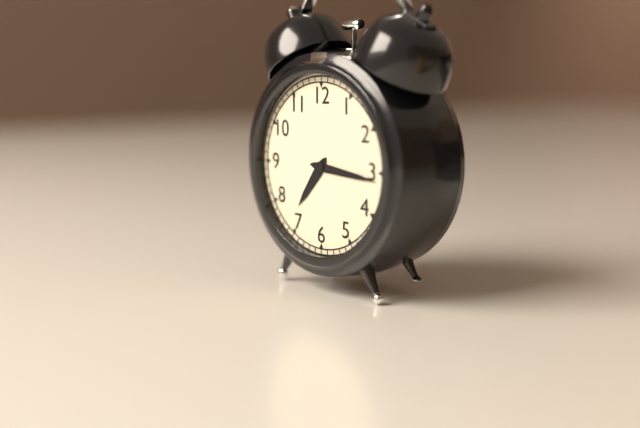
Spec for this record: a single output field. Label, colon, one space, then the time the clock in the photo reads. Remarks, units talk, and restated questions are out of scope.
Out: 7:16
